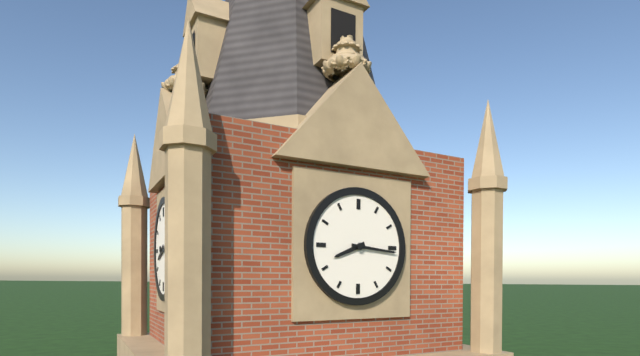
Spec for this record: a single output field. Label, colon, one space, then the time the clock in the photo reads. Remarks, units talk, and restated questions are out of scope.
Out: 8:16
